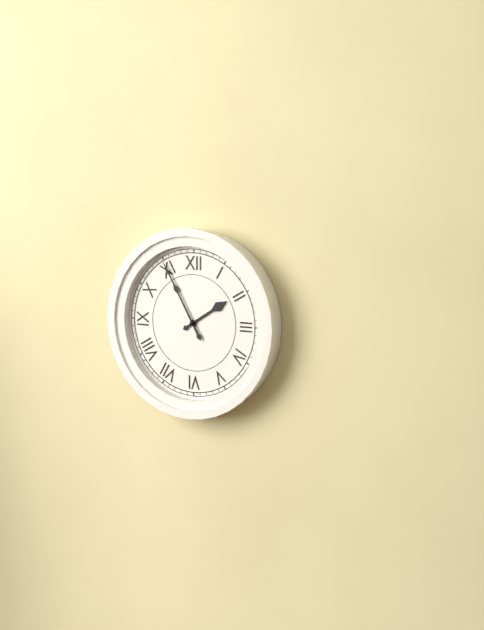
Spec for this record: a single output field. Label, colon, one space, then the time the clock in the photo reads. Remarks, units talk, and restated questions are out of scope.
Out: 1:55
